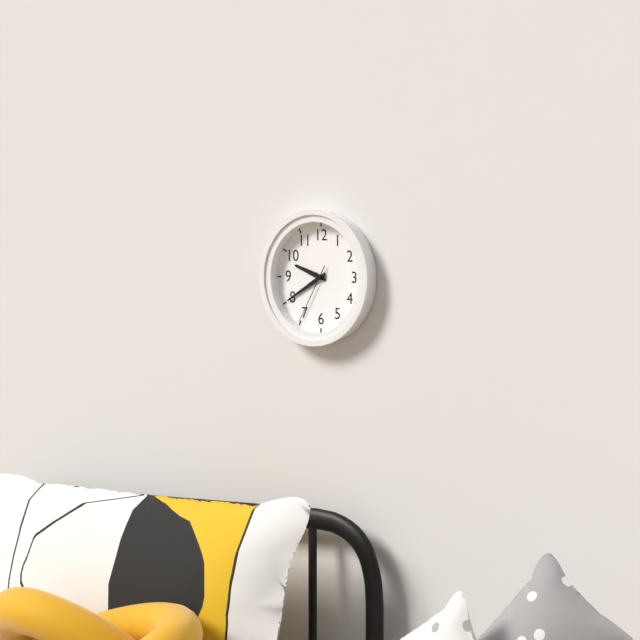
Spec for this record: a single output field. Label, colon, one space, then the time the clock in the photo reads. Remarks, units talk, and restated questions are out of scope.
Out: 9:40:35
